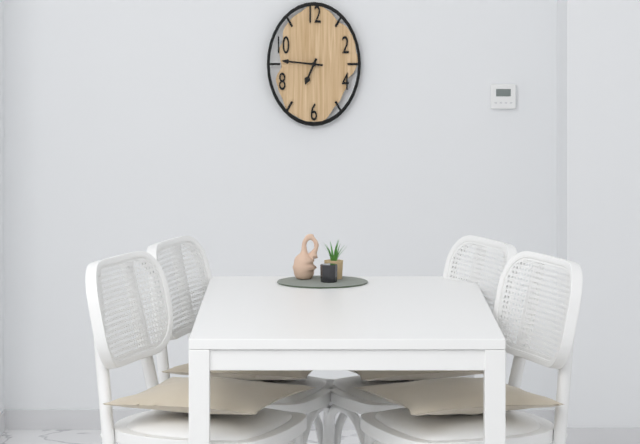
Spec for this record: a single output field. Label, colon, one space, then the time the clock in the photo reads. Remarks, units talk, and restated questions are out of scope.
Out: 6:46
